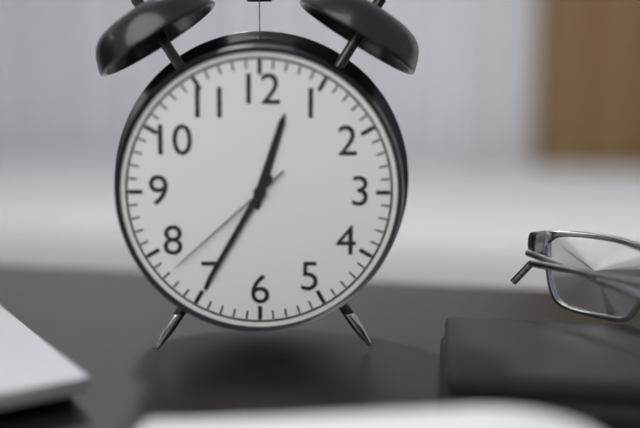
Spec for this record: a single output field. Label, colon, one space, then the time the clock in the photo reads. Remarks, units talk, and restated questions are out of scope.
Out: 12:35:38
